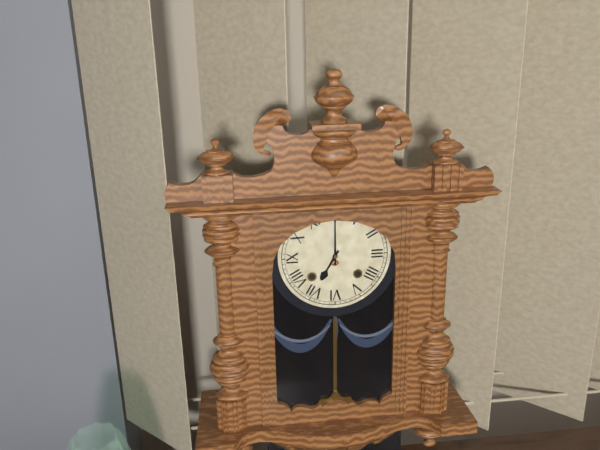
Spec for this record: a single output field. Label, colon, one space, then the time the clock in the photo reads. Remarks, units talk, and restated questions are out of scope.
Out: 7:00
